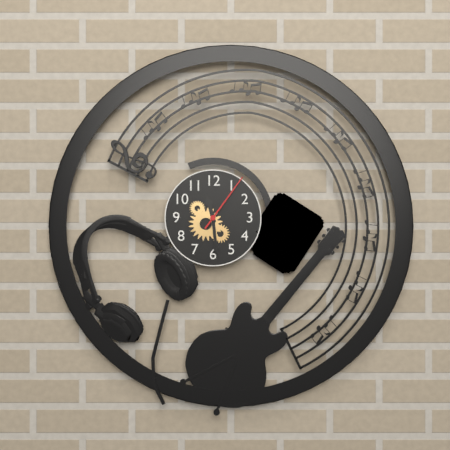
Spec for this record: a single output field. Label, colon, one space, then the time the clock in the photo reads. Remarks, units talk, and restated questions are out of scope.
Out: 11:29:06
